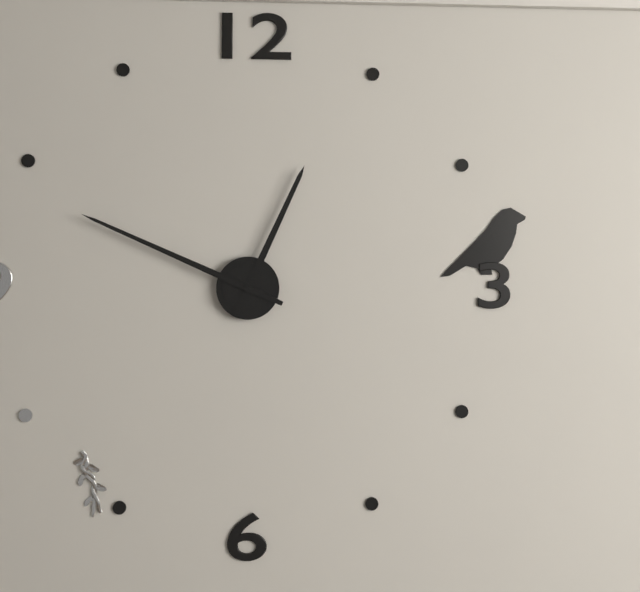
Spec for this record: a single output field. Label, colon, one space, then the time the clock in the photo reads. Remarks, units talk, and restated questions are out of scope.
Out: 12:49
